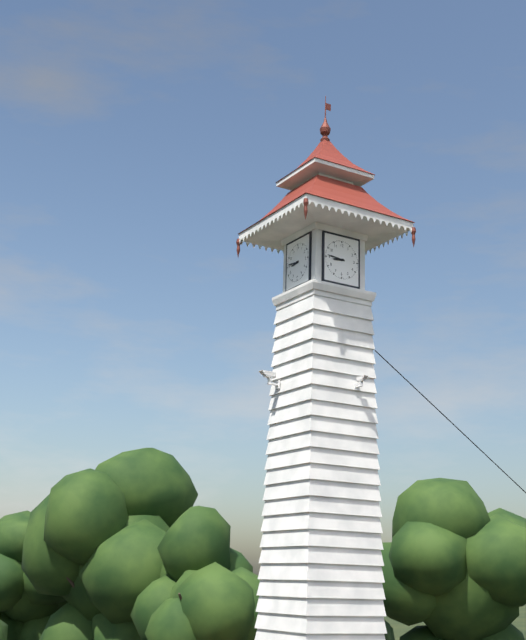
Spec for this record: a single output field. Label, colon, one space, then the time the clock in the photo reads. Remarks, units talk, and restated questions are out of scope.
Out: 8:46
